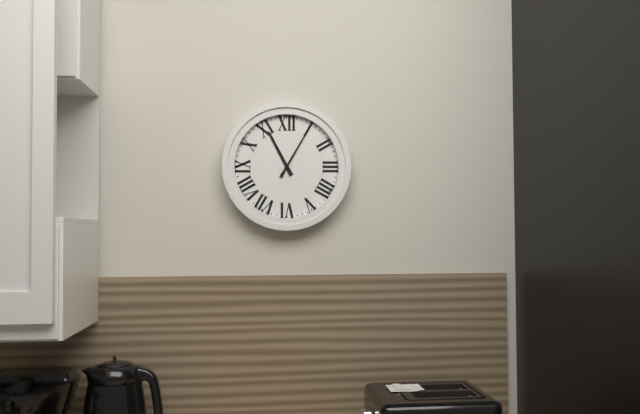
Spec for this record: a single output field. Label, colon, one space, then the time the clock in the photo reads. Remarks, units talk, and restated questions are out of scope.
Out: 11:05
